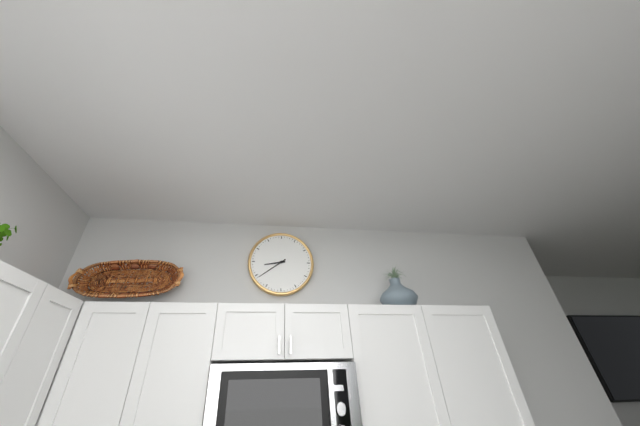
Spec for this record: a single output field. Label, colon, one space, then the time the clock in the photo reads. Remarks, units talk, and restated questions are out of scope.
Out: 8:39
